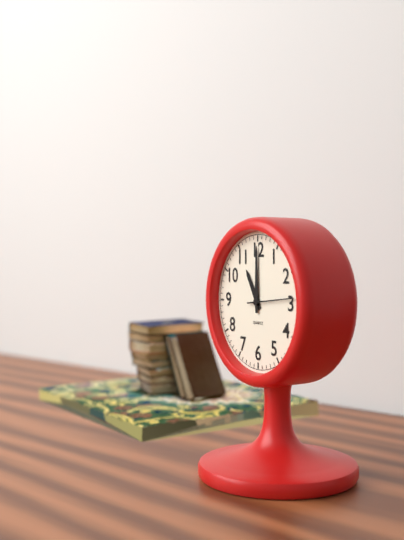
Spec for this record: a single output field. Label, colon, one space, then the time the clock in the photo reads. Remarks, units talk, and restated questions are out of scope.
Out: 11:00
